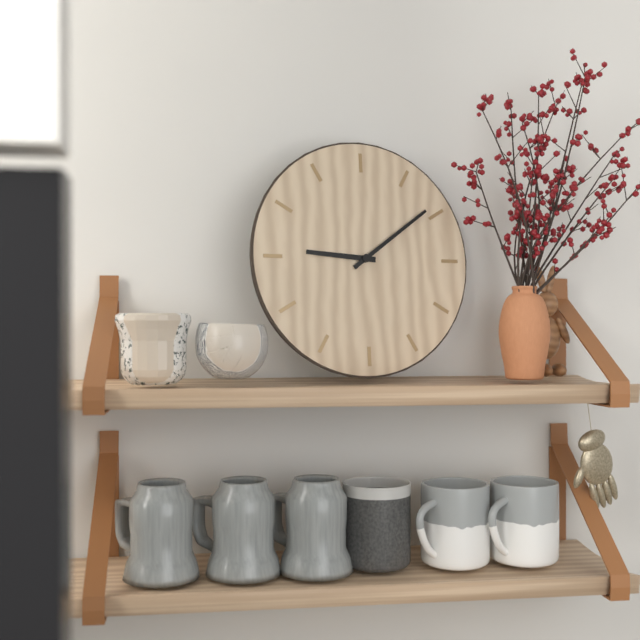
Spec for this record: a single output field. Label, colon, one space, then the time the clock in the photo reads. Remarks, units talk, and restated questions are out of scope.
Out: 9:09
